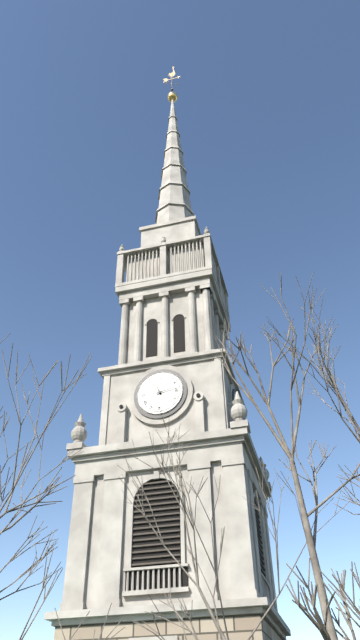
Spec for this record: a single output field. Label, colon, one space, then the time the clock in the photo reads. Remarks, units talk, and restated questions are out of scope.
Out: 11:13
